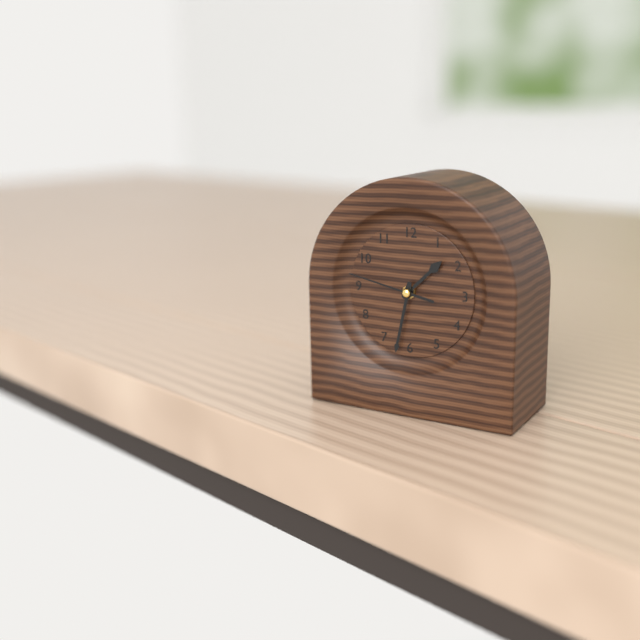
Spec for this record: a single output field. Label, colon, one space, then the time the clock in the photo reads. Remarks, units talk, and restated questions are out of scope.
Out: 1:32:47
